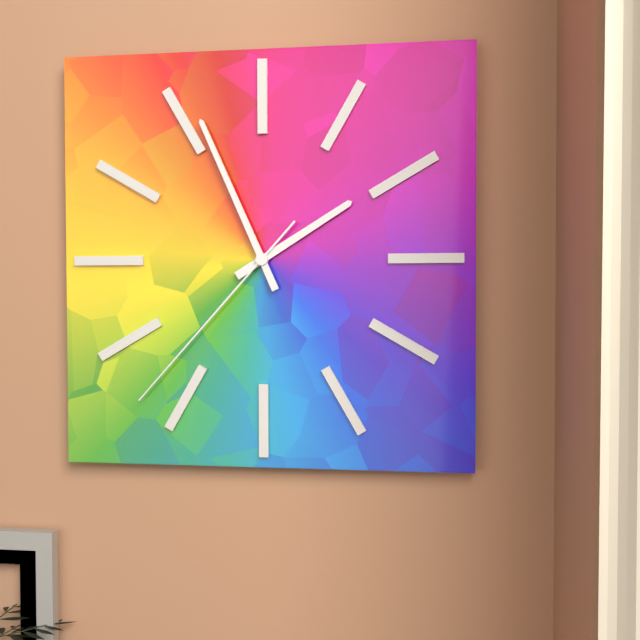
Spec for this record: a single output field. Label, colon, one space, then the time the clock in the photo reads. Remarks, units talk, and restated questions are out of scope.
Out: 1:56:37
